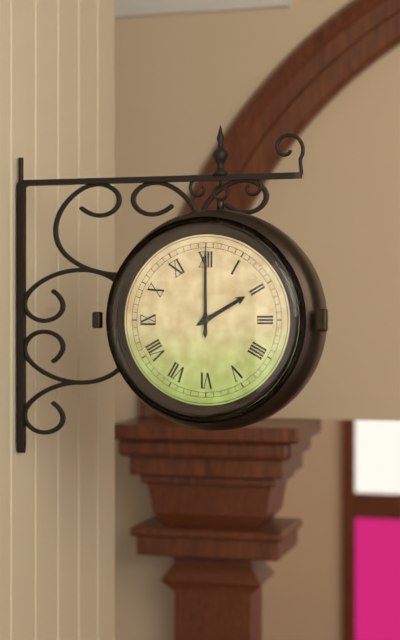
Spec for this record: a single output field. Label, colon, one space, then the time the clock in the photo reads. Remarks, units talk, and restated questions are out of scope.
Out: 2:00
